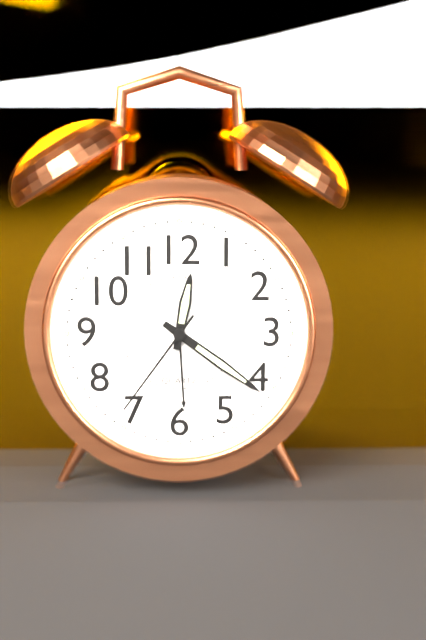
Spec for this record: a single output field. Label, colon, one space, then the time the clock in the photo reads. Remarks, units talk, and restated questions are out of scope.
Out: 12:21:36
